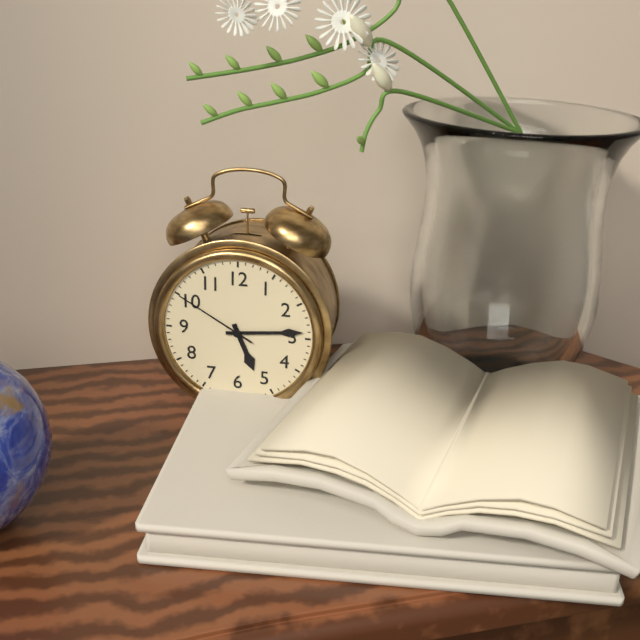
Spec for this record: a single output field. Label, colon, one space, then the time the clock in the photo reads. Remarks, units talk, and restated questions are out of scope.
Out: 5:14:50
